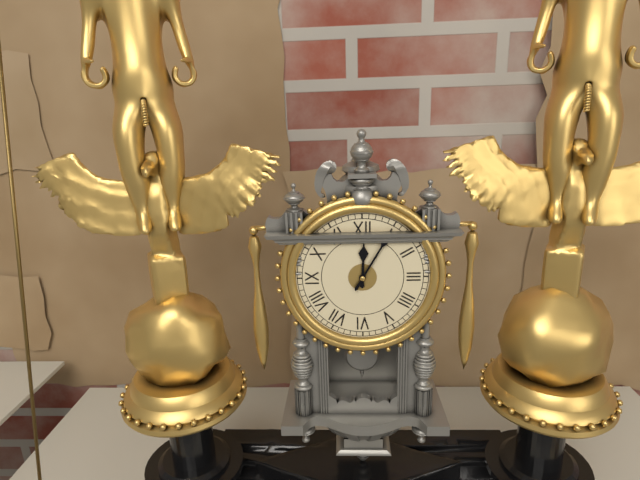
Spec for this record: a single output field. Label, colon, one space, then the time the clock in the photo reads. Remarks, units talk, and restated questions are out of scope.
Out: 12:05
